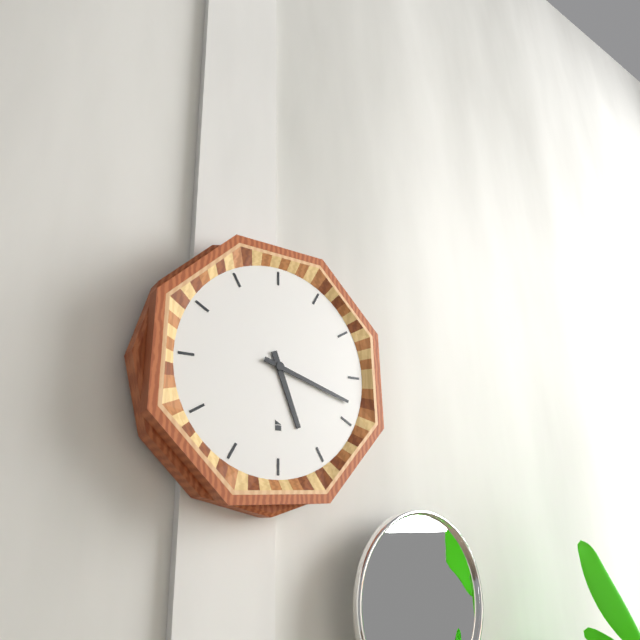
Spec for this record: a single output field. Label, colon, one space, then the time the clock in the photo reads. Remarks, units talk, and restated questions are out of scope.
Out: 5:18
